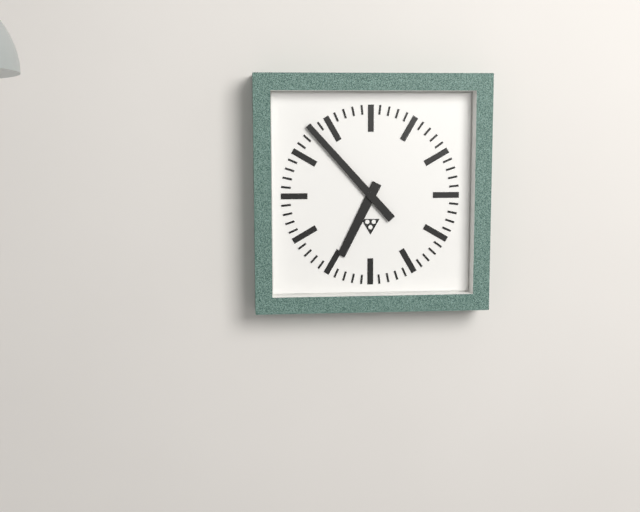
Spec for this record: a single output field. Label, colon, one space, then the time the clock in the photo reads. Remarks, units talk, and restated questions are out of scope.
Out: 6:53
